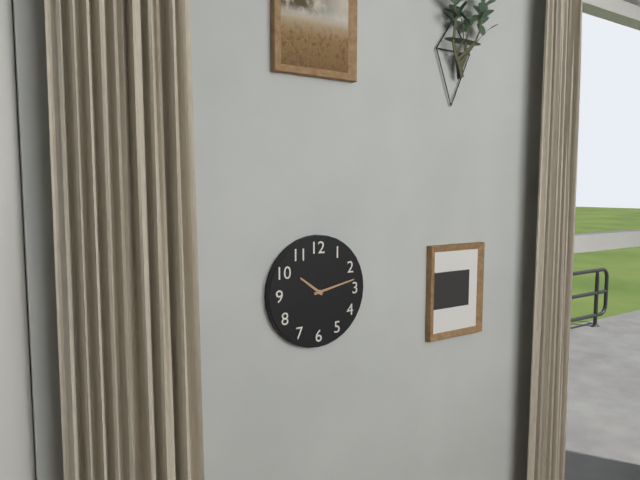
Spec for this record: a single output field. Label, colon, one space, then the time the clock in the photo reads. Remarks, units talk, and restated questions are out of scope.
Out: 10:13
